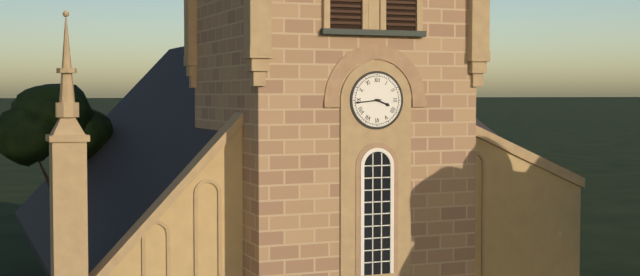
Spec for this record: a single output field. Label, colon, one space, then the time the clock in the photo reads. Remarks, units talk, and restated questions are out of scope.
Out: 3:44
